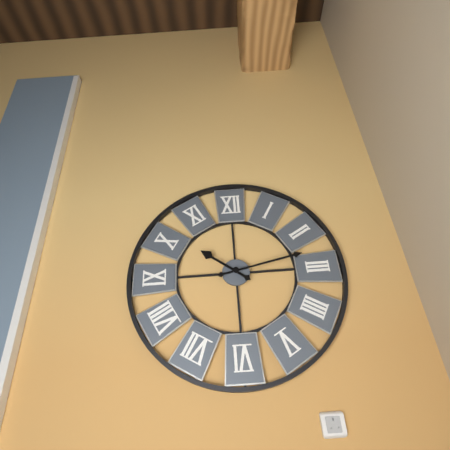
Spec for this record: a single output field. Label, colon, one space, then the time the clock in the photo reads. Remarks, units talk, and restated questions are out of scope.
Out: 10:13
